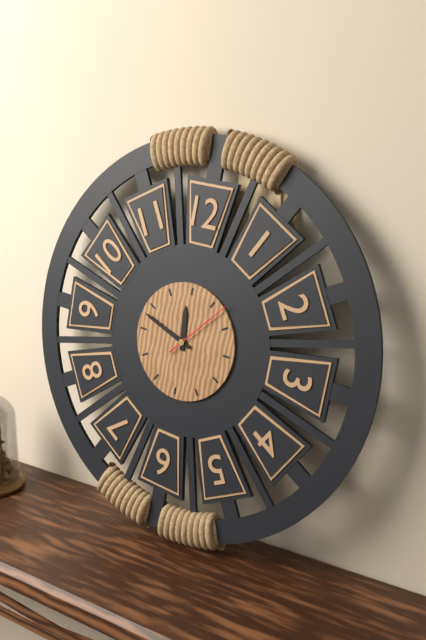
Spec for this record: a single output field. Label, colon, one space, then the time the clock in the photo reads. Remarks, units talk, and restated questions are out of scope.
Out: 11:48:07
